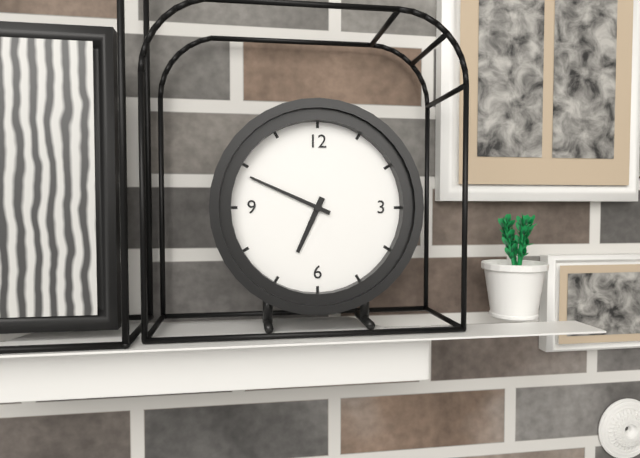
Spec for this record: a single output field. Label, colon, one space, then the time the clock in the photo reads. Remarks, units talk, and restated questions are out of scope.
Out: 6:49
